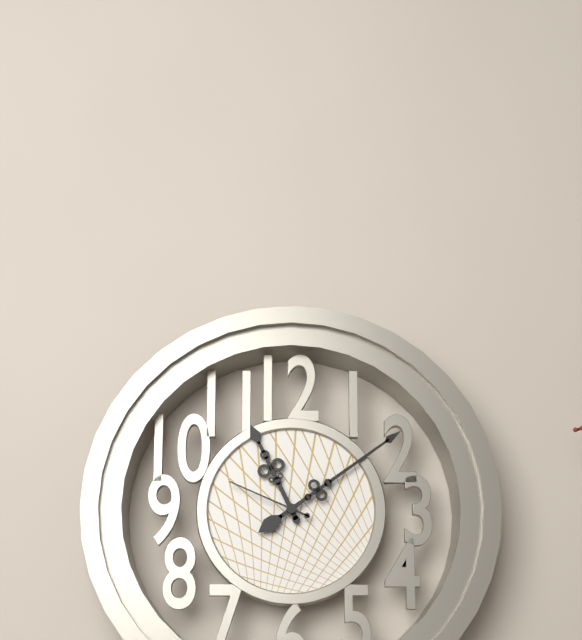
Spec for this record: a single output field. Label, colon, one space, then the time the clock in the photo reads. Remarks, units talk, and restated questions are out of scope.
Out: 11:09:49
